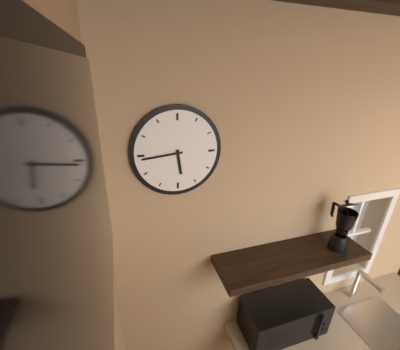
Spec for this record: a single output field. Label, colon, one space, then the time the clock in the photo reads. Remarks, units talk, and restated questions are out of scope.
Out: 5:44
